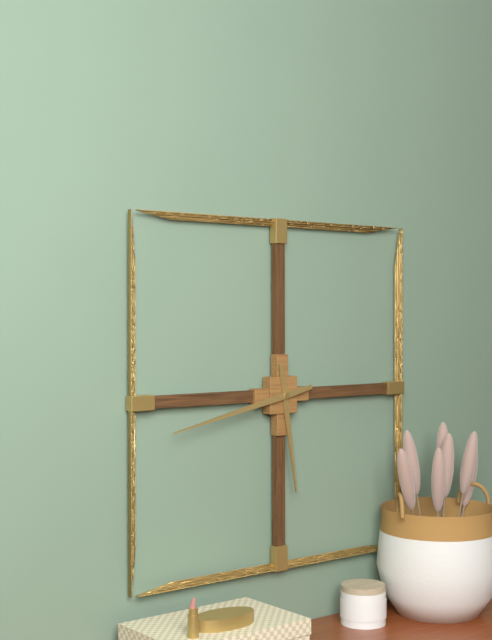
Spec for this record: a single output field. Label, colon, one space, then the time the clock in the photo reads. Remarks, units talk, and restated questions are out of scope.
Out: 5:43
